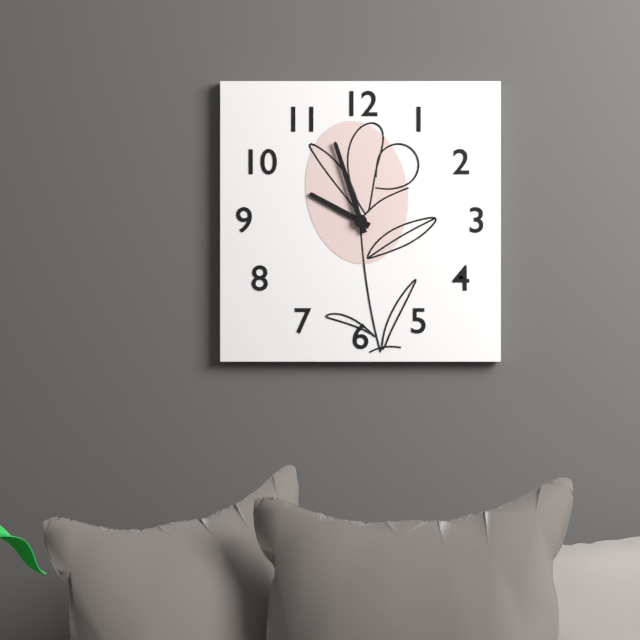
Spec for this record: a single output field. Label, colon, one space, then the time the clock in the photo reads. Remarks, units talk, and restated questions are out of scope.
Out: 9:57
